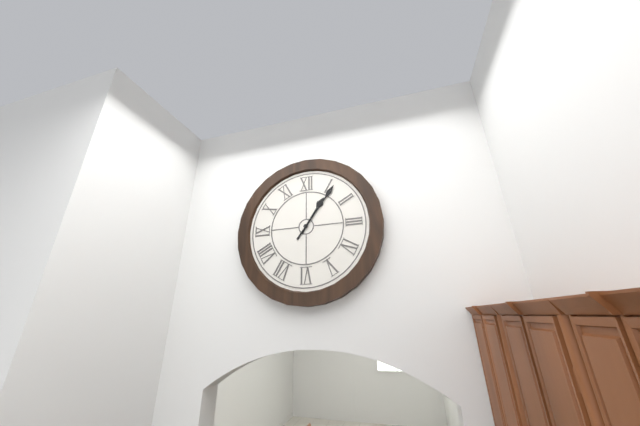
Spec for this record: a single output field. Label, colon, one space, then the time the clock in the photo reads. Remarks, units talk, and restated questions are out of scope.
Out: 1:06
